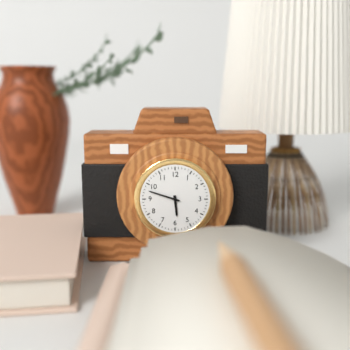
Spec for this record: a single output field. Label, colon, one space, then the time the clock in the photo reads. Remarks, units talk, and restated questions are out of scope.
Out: 5:48
